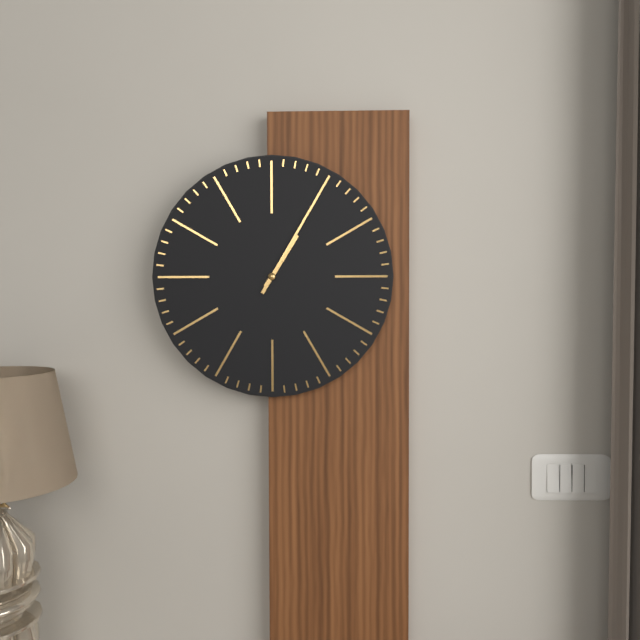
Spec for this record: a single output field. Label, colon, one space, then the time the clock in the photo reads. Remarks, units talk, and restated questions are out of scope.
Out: 1:05
